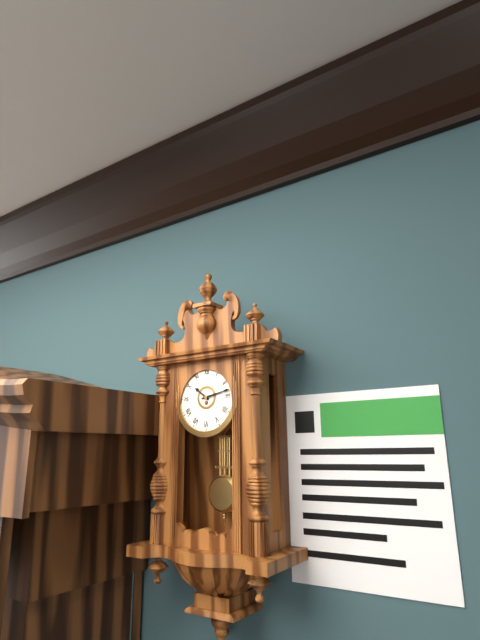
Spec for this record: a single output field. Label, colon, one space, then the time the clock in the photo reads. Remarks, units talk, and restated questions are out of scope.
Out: 10:13
